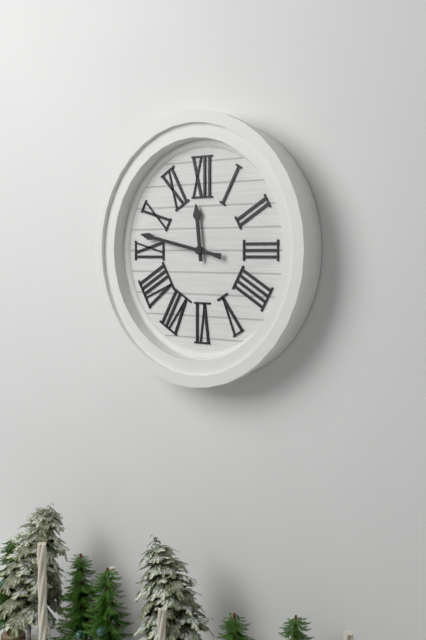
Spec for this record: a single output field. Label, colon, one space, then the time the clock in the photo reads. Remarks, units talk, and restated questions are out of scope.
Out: 11:47
